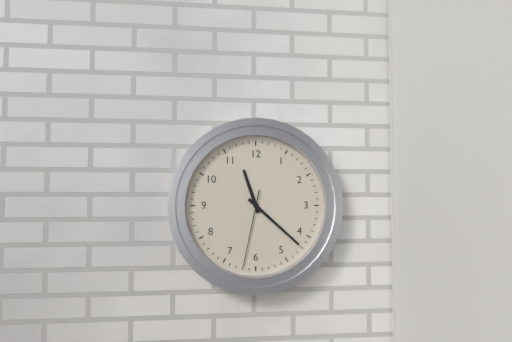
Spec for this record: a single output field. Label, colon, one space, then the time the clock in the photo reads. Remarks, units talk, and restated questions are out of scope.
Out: 11:22:32
